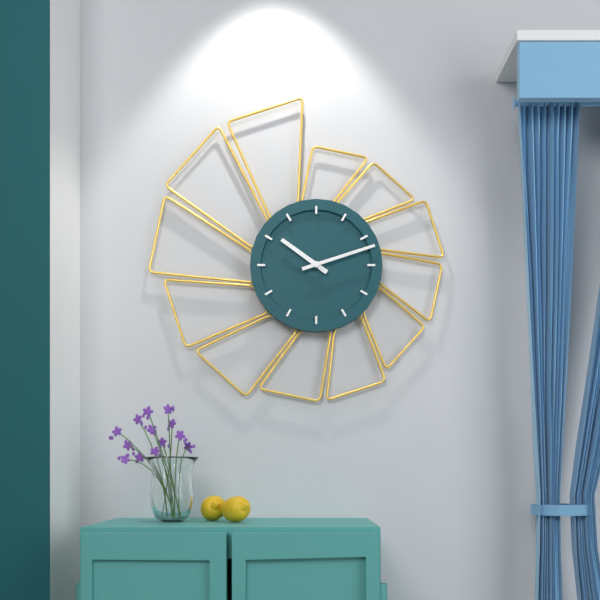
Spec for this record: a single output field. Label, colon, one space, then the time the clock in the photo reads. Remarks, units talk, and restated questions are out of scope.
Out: 10:12
